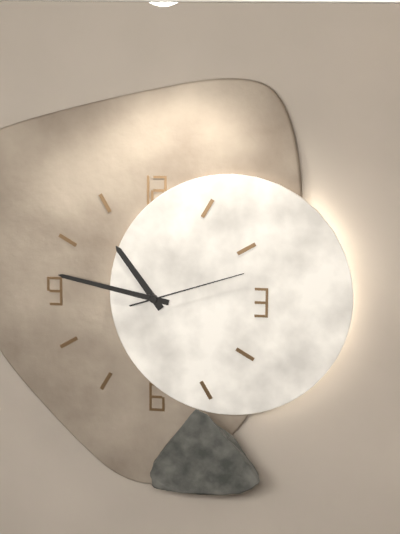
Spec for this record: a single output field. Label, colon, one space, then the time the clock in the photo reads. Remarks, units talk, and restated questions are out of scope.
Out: 10:47:12
